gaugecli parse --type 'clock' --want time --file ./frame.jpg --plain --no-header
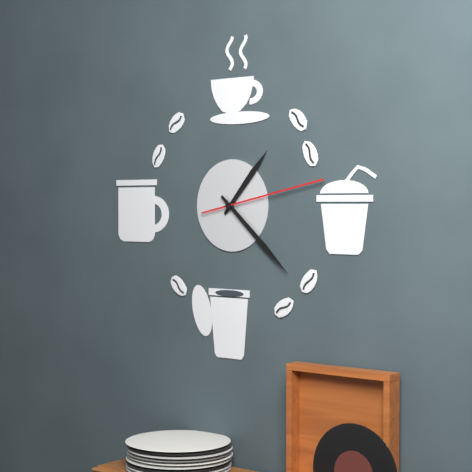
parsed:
1:22:13
